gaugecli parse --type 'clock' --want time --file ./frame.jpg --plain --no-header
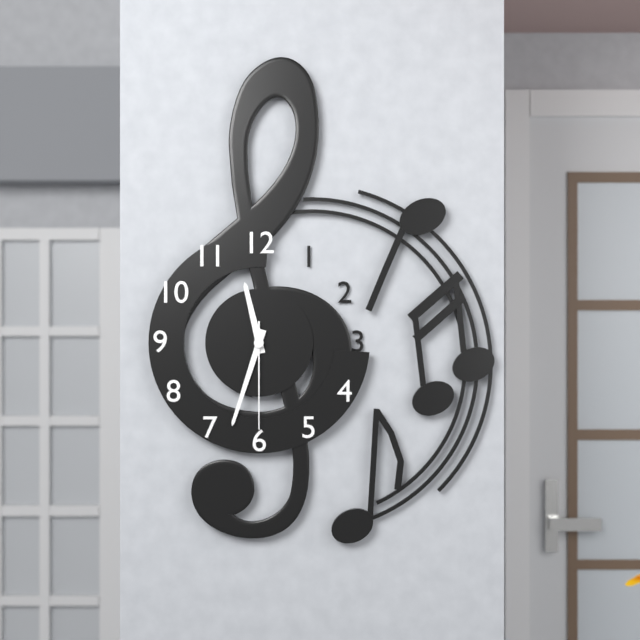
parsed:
11:33:30
